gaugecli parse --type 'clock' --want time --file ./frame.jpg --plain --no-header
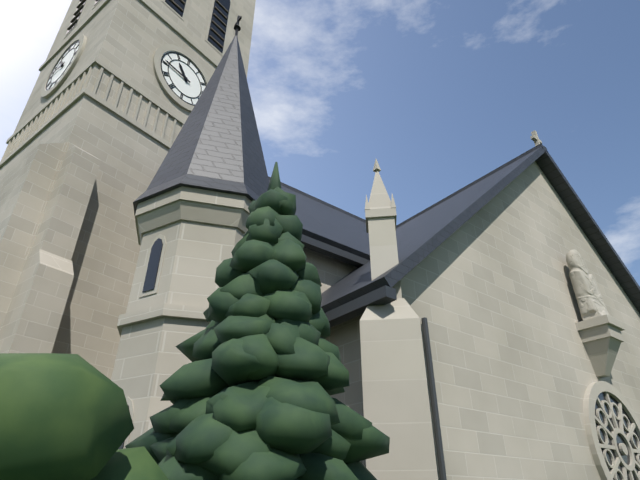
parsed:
10:46
